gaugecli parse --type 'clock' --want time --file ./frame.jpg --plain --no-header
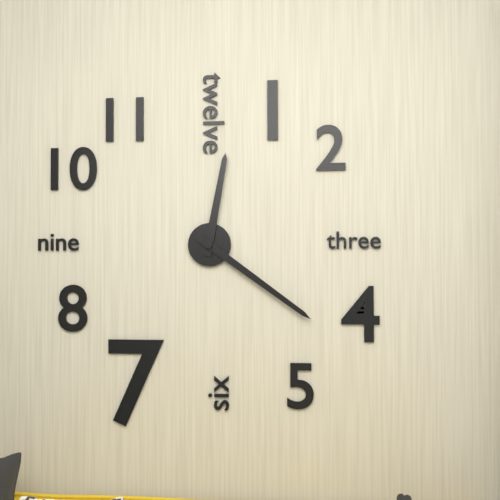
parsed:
12:21
